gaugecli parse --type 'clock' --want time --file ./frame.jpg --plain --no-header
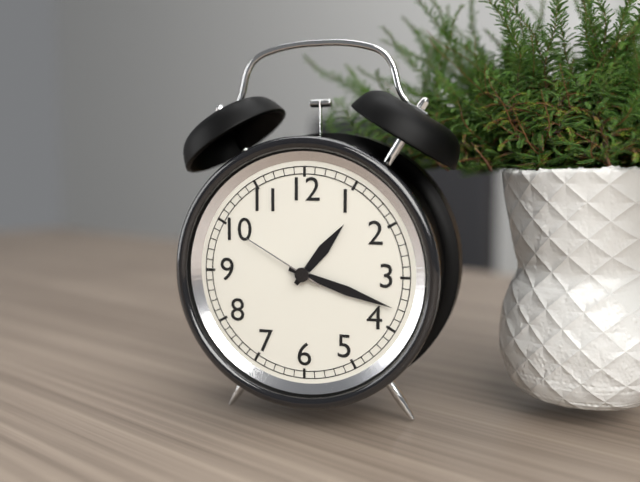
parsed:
1:18:50
